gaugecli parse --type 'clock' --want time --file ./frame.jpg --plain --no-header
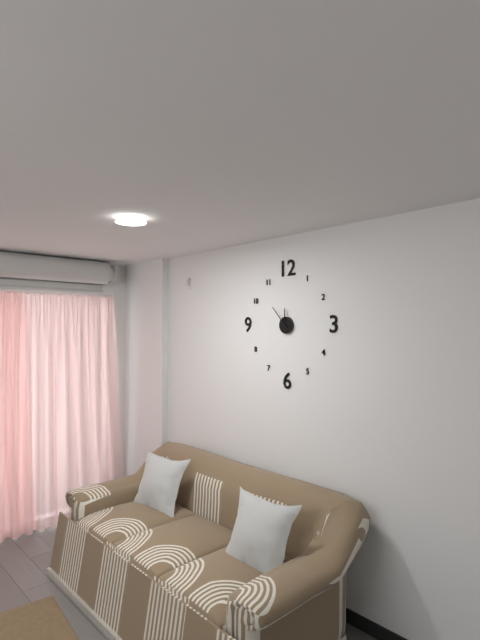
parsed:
11:53
